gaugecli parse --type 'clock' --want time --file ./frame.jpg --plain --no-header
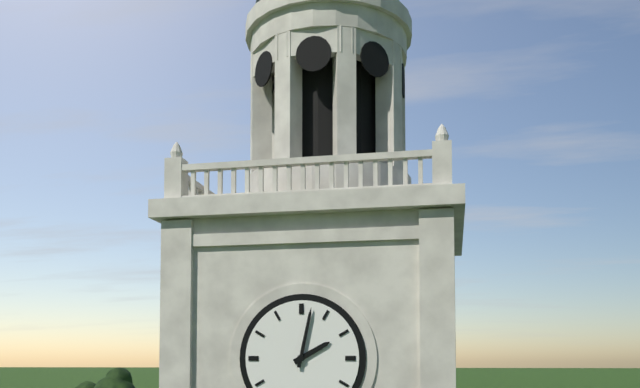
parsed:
2:02
